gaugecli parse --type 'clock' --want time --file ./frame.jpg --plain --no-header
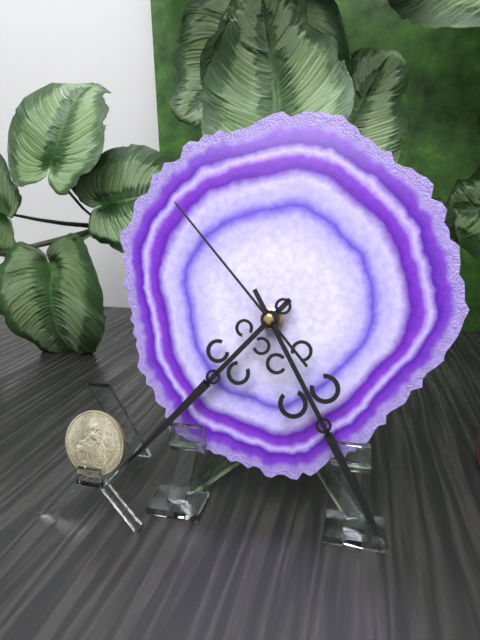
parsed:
7:25:53
